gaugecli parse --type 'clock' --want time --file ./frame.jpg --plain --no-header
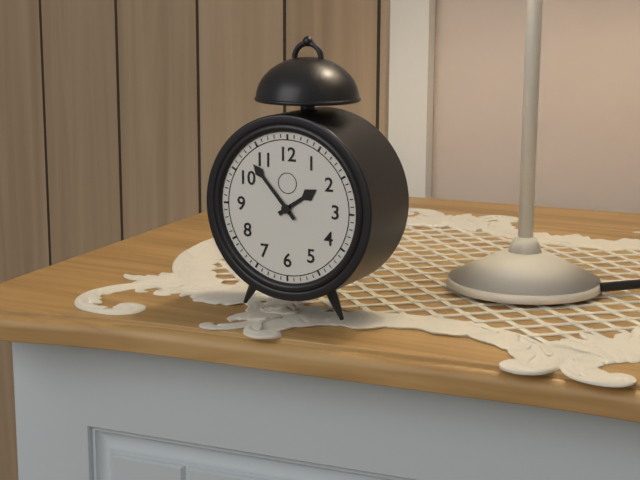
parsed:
1:53
